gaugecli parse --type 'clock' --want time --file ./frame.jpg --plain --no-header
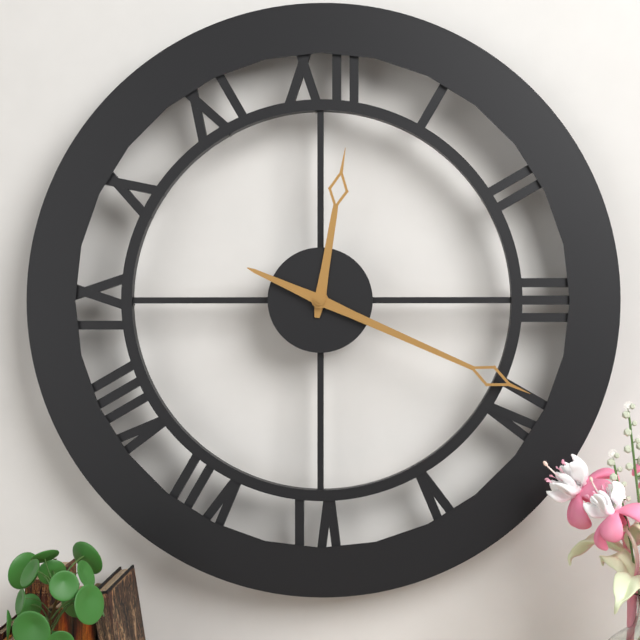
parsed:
12:19
